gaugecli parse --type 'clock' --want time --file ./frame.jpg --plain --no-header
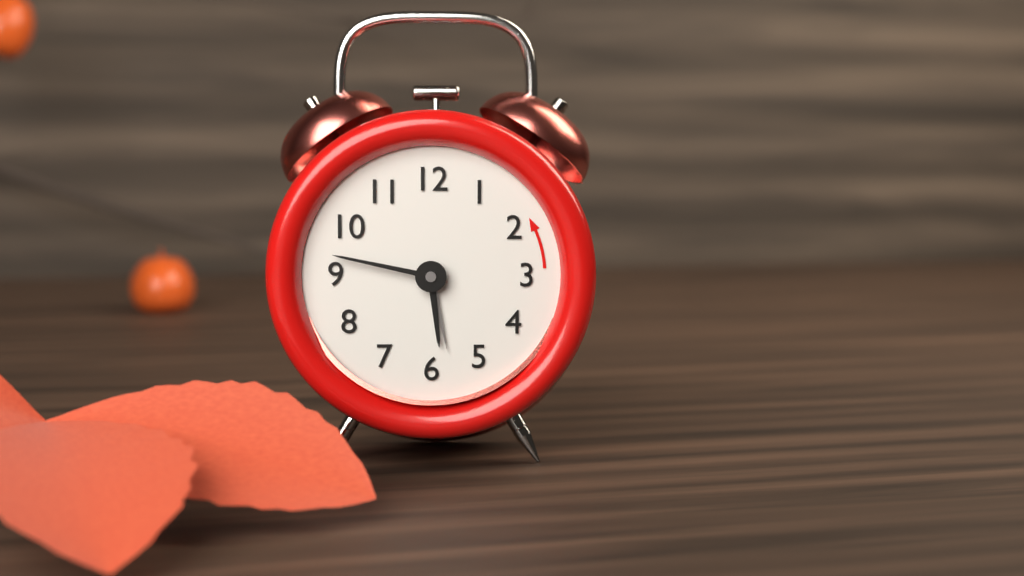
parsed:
5:47:28
